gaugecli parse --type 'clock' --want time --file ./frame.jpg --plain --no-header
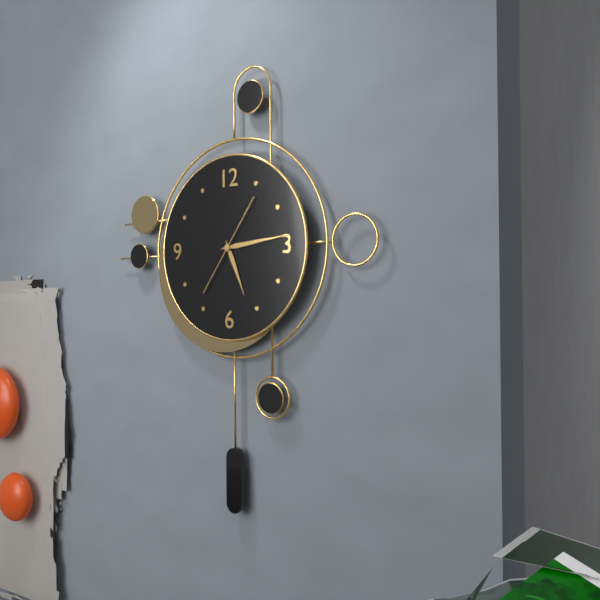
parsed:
5:14:06
